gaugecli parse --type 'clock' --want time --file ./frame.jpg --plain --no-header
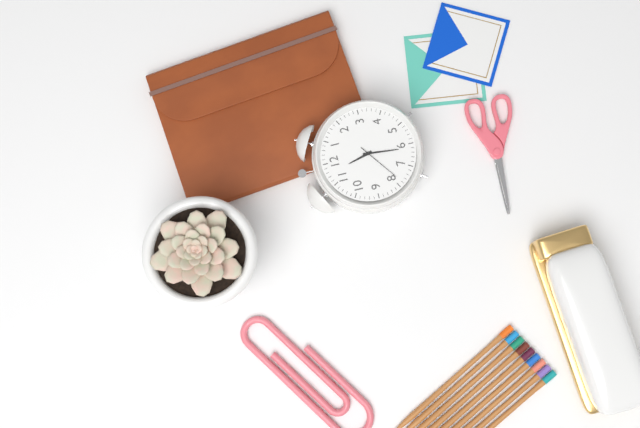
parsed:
11:31
